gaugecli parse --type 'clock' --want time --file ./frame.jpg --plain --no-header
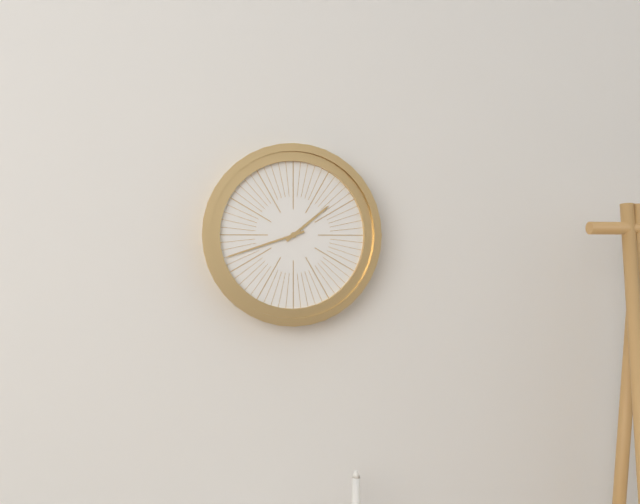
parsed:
1:42
